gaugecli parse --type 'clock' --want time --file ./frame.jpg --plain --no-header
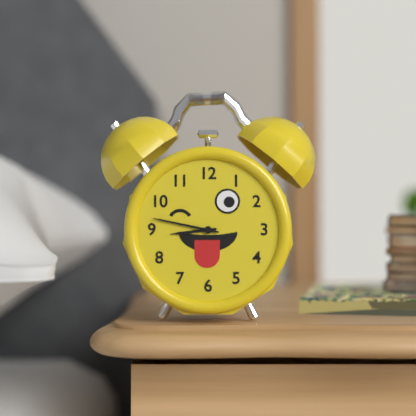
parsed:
8:47
